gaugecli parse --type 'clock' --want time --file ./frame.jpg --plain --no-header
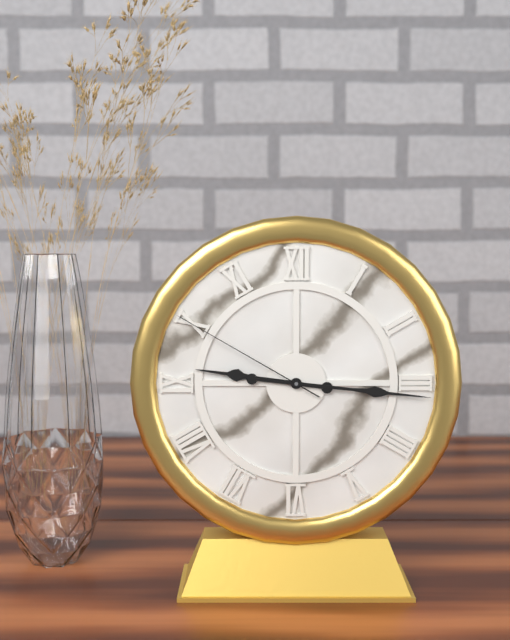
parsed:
9:16:50
